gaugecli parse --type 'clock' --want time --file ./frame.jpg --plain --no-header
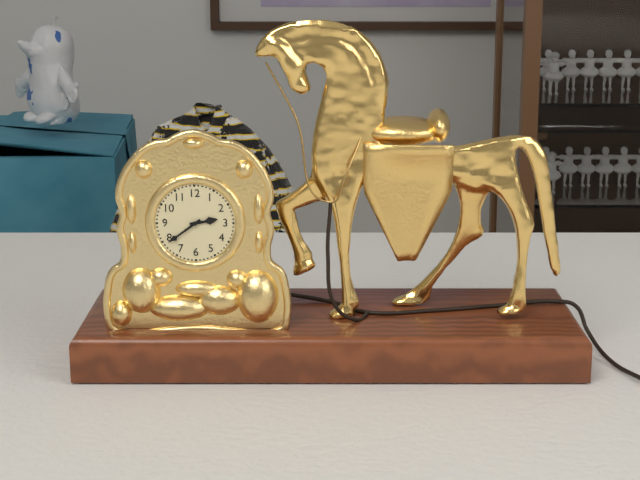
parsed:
2:39
